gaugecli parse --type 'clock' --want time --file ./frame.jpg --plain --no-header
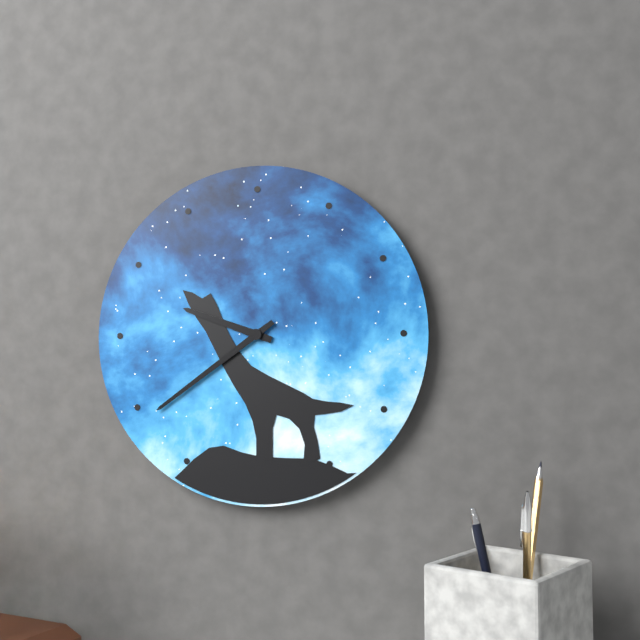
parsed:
9:39
